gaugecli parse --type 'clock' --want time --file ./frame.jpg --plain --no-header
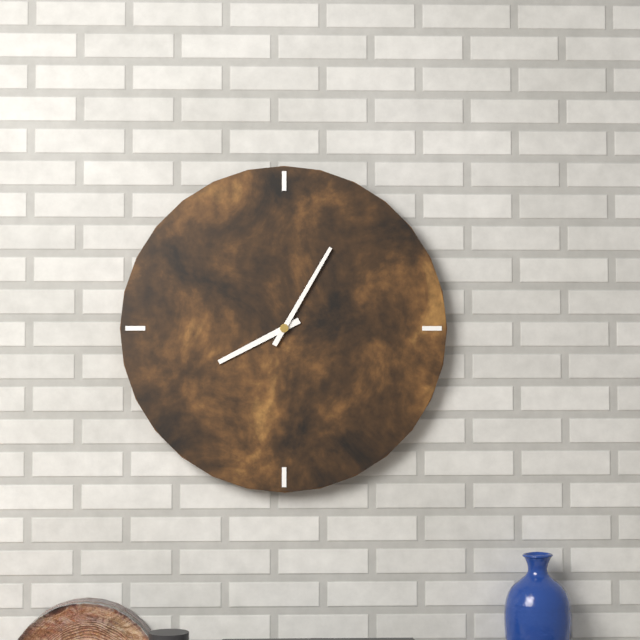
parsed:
8:05
